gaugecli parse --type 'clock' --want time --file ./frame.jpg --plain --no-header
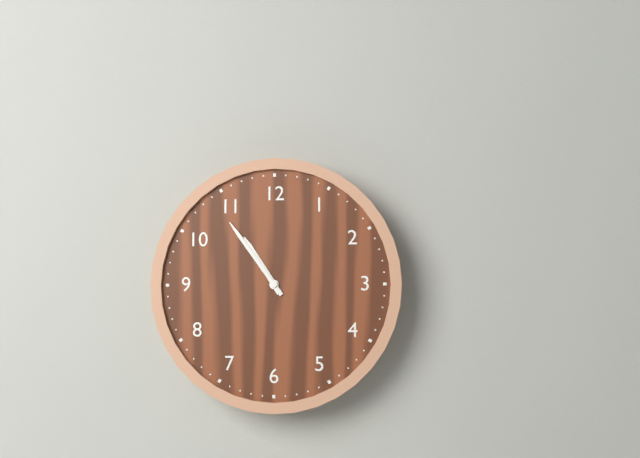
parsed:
10:54
